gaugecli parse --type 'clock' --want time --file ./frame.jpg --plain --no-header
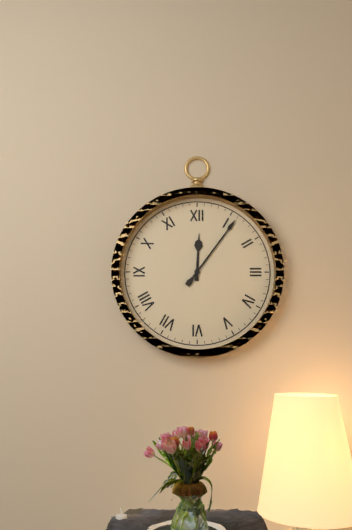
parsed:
12:06
